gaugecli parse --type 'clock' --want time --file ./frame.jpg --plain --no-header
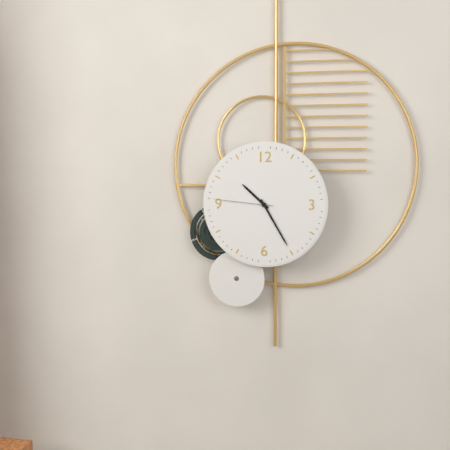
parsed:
10:25:46
